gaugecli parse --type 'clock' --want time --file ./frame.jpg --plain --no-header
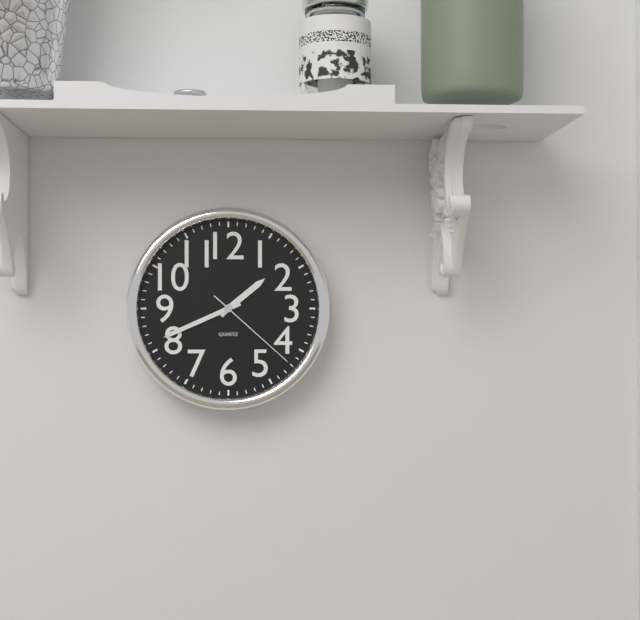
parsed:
1:41:22
